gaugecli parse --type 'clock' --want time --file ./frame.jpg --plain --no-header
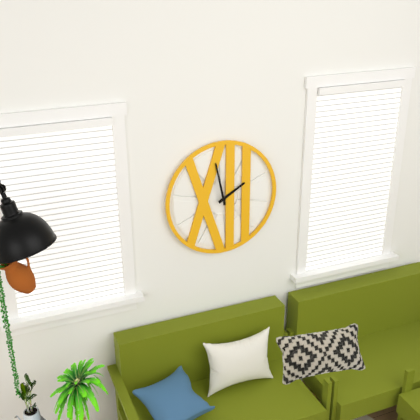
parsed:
1:58
